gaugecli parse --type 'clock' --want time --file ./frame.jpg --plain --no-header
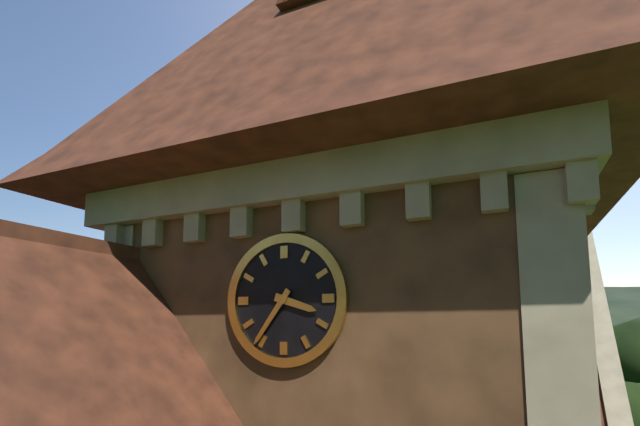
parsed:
3:36
